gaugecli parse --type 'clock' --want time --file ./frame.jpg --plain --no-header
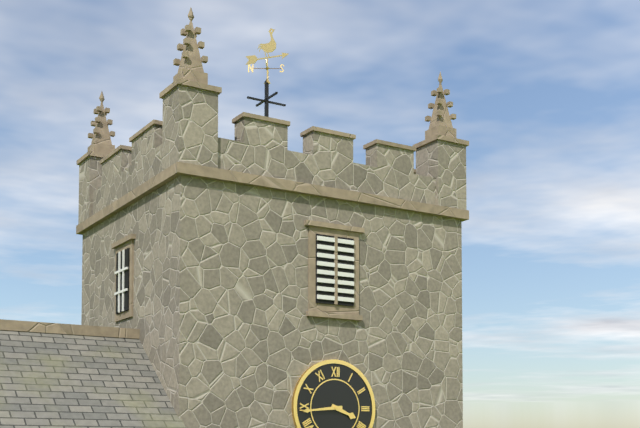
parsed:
3:44
